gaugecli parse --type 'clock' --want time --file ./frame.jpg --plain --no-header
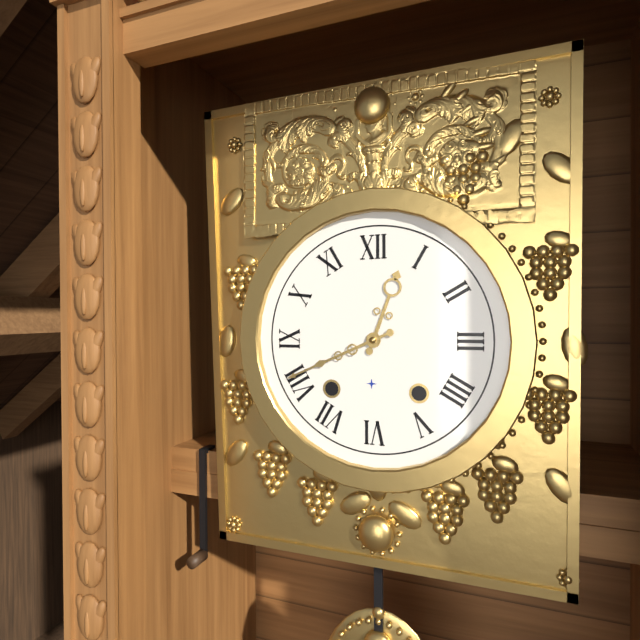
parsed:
12:41
